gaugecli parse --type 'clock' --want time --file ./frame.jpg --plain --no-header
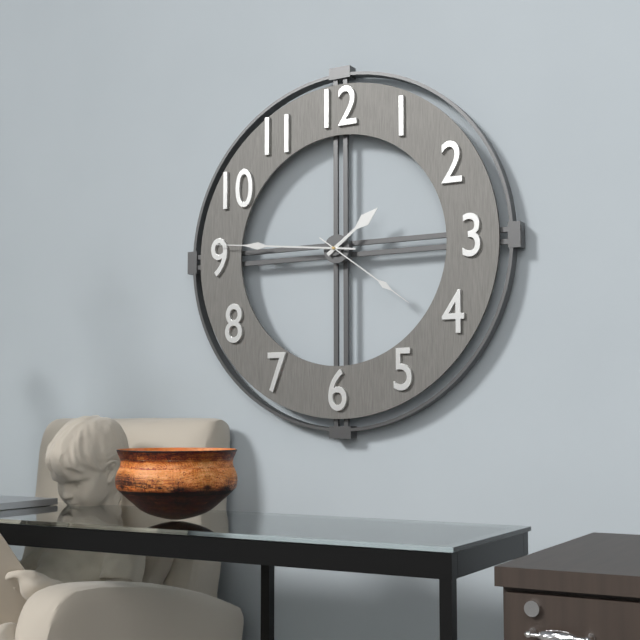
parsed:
1:46:21
